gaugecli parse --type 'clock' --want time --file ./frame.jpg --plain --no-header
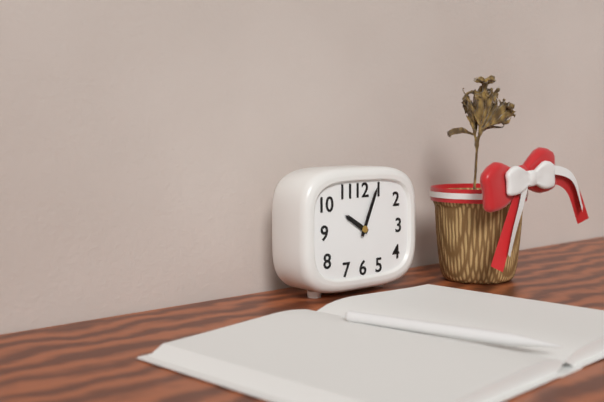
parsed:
10:04
